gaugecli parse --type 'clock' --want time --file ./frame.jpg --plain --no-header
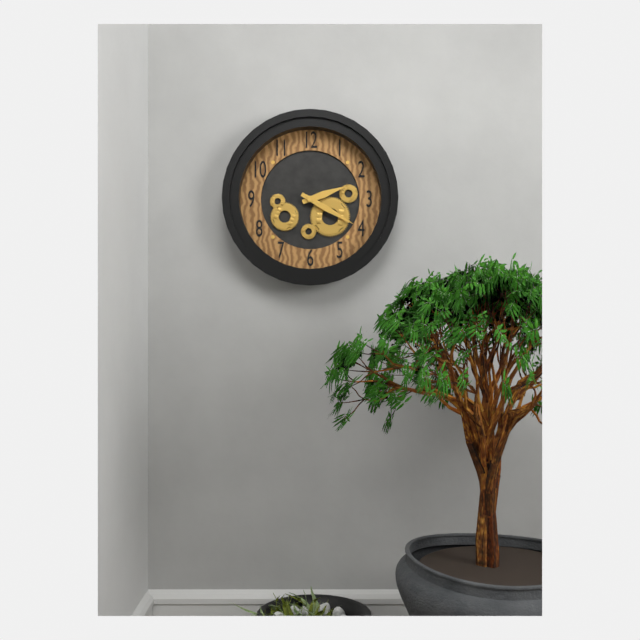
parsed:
2:20
